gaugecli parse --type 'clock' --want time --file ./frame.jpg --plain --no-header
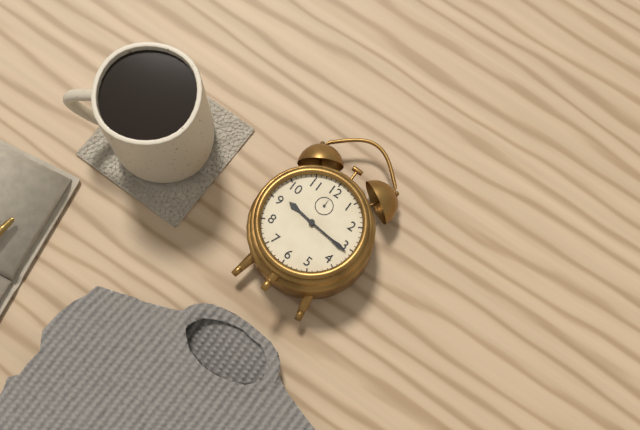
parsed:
9:16
